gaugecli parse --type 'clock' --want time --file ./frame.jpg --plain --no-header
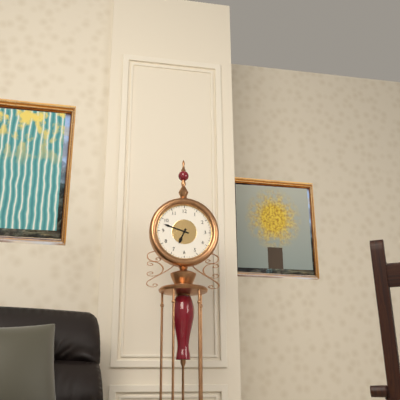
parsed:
6:48
